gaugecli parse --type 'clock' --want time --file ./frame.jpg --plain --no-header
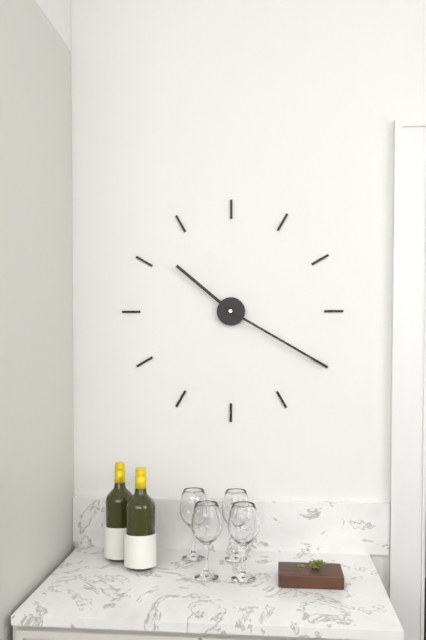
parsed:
10:20
